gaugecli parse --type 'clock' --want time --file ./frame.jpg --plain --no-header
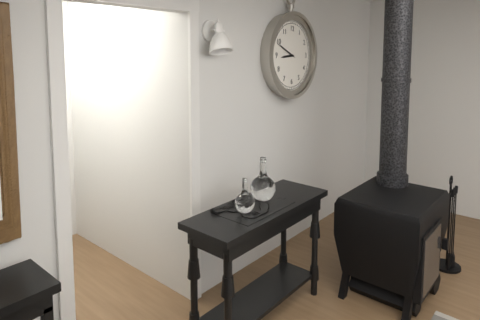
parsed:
8:49
